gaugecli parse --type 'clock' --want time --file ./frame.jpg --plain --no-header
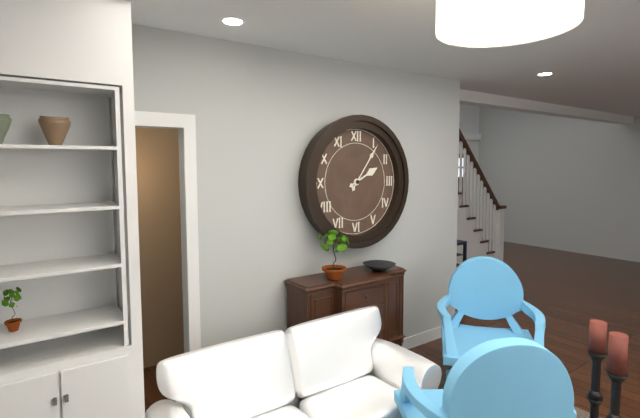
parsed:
2:06
